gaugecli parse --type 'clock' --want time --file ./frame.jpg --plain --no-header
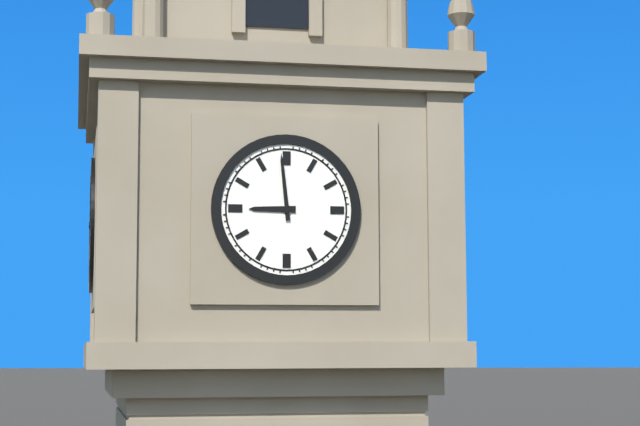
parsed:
8:59
